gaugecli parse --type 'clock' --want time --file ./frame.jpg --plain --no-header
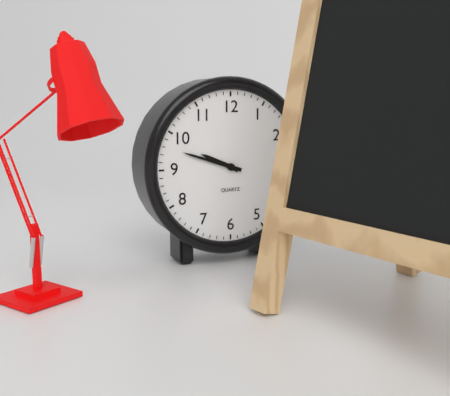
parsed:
9:48
